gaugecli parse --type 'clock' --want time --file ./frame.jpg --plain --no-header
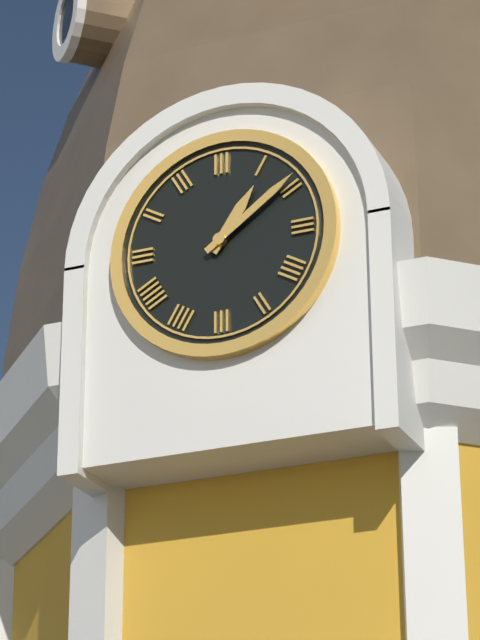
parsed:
1:09
